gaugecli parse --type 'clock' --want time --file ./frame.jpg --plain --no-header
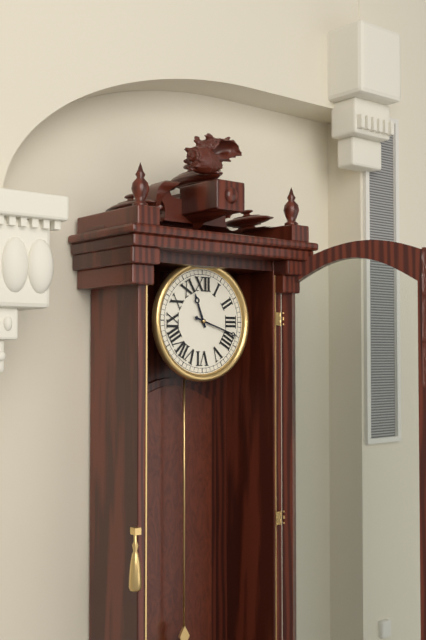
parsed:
11:18
